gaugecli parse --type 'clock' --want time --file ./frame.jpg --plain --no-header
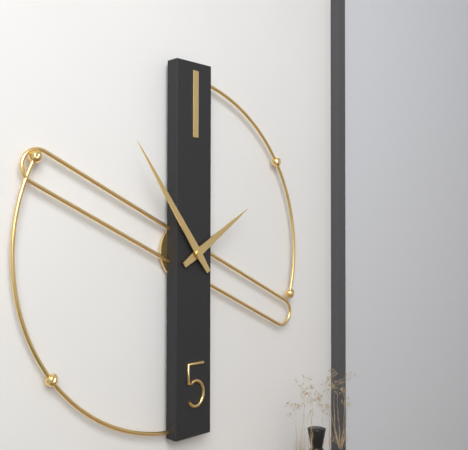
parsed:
1:54
